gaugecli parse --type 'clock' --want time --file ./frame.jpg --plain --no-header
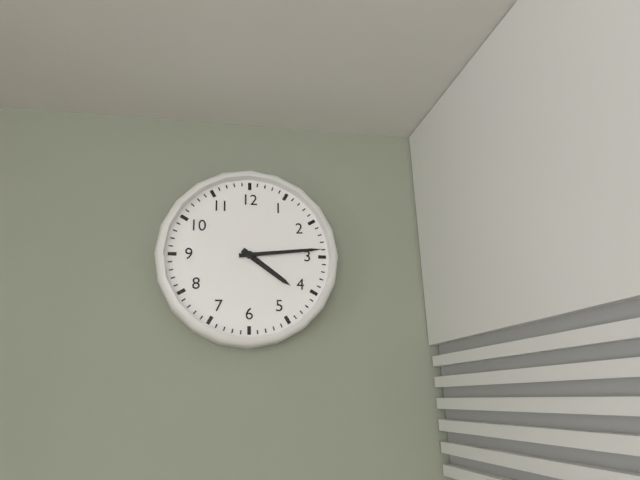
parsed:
4:14
